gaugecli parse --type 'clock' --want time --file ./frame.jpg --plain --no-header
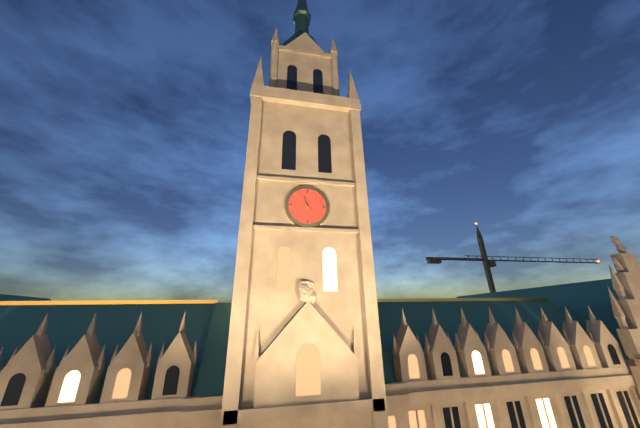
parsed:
11:23
